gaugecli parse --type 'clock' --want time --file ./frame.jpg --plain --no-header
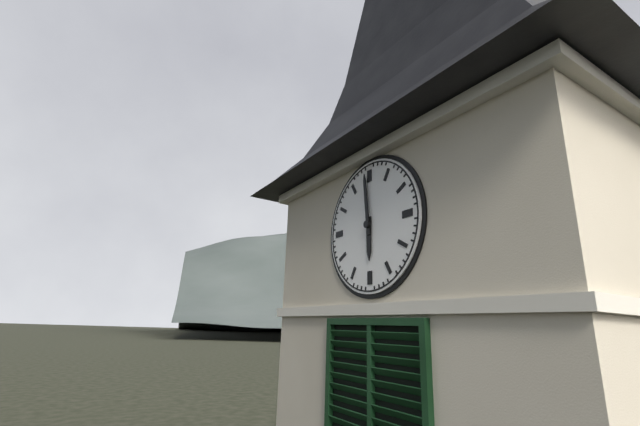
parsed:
5:59
